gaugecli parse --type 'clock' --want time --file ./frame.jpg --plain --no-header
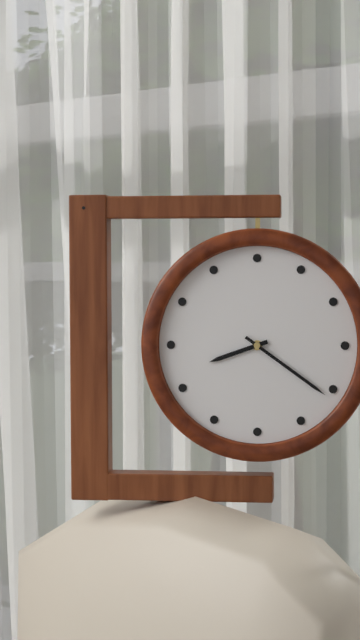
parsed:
8:21
